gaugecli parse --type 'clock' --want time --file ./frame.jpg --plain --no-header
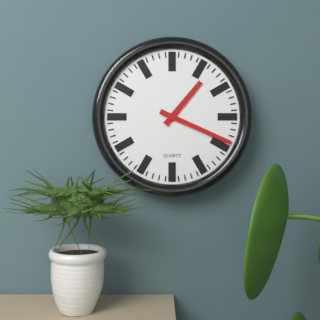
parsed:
1:19
